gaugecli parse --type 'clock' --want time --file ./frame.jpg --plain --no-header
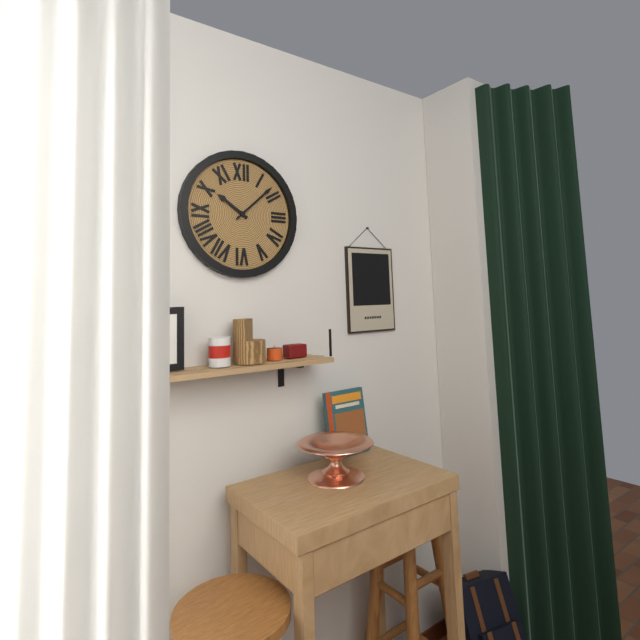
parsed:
10:08
